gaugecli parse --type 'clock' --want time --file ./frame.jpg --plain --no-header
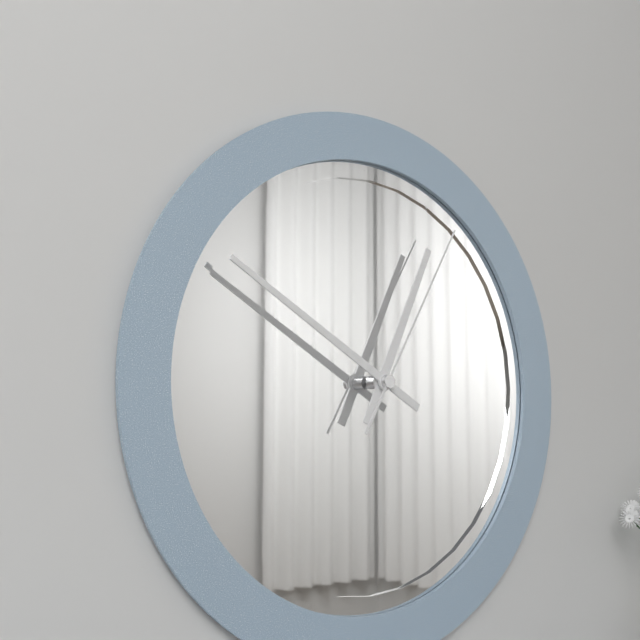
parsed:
12:50:05
